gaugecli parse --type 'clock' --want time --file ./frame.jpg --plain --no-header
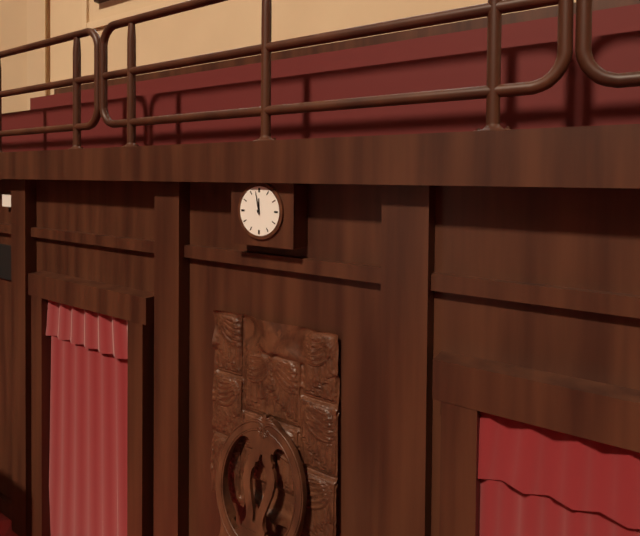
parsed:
11:58
